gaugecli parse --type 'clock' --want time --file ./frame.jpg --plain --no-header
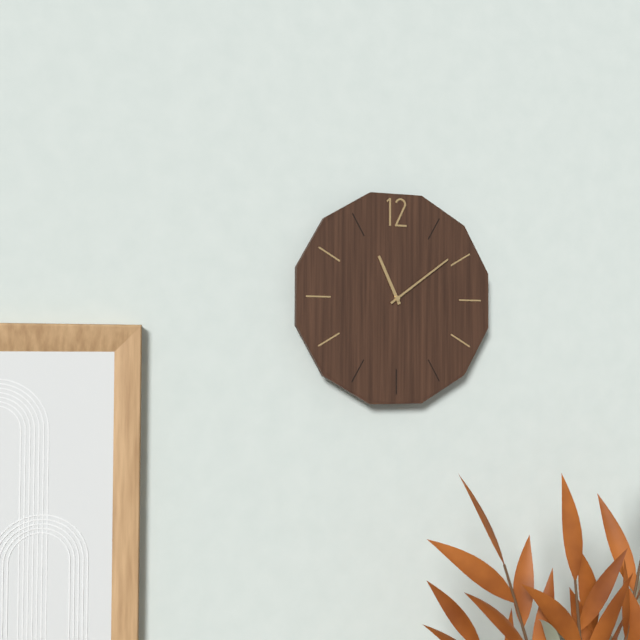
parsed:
11:09
